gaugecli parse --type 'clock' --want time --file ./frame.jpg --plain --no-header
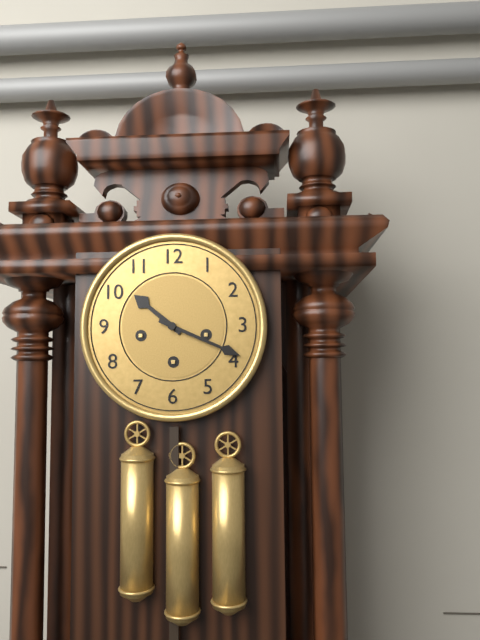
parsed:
10:19
